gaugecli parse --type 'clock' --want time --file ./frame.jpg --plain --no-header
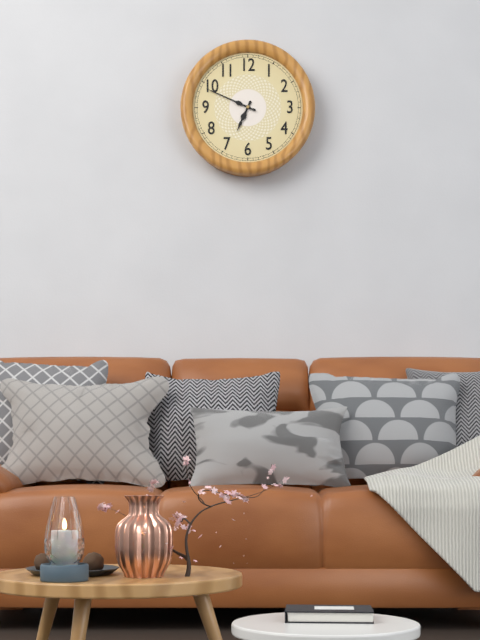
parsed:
6:49
